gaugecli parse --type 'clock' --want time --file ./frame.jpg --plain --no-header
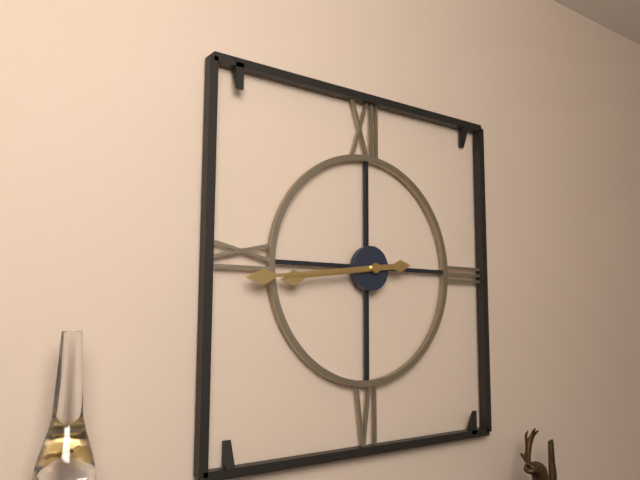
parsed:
8:44
